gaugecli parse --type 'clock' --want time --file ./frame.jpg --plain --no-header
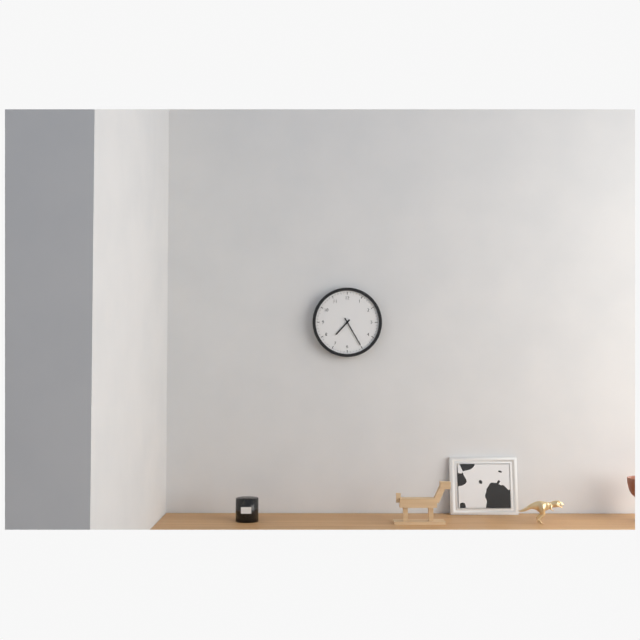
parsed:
7:25
